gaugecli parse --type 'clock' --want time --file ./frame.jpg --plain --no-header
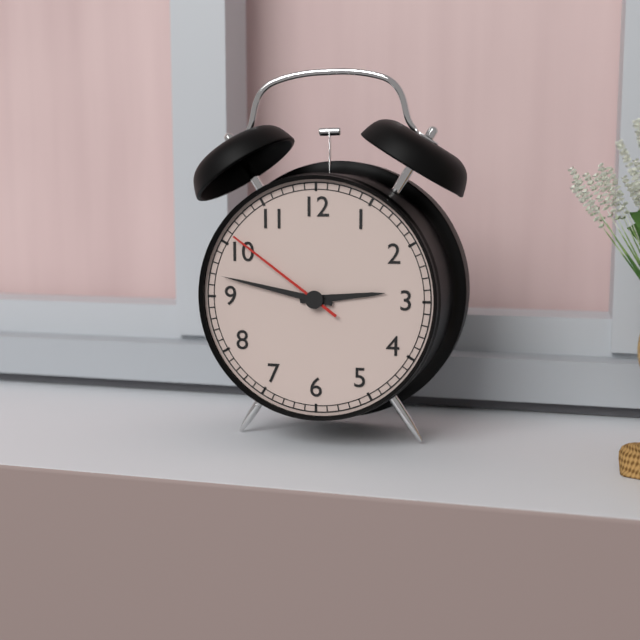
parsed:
2:47:51
